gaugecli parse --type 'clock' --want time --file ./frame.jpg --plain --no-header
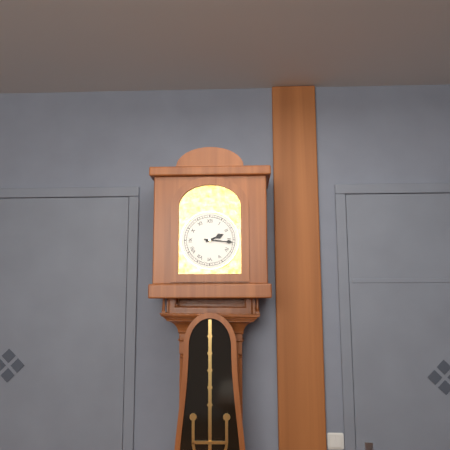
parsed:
2:16
